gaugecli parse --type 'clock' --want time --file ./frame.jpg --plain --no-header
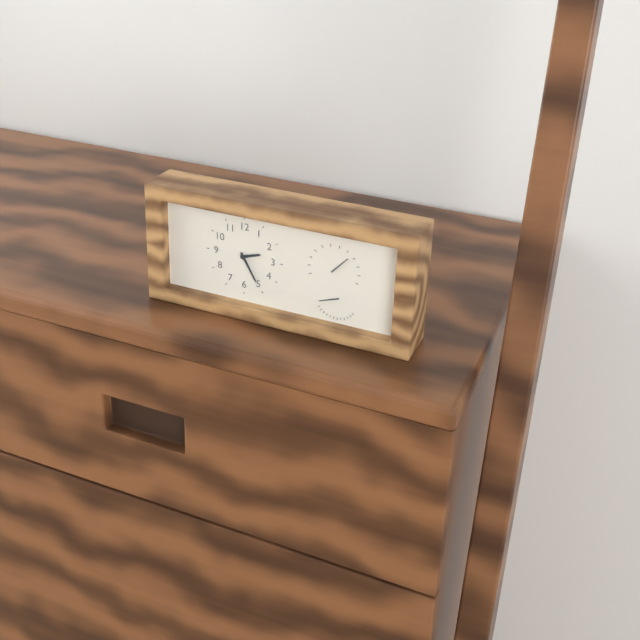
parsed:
2:25
